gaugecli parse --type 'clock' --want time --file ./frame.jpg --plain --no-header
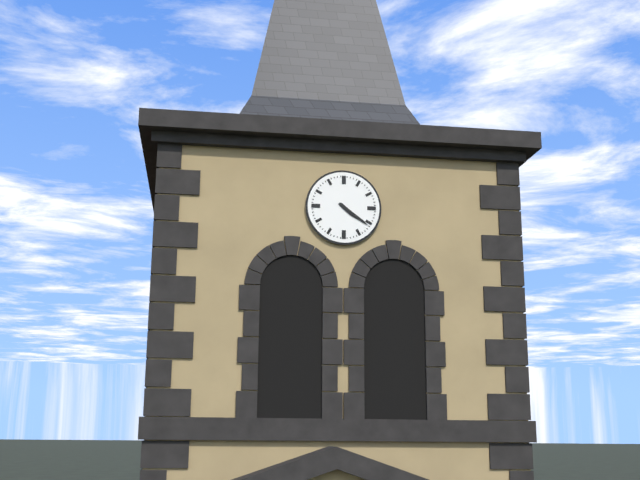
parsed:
4:21
